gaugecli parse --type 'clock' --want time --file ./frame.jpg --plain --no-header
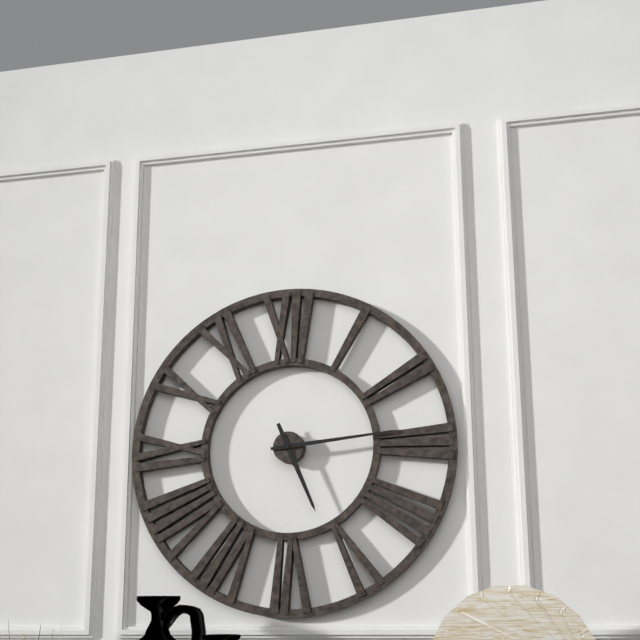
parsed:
5:14
